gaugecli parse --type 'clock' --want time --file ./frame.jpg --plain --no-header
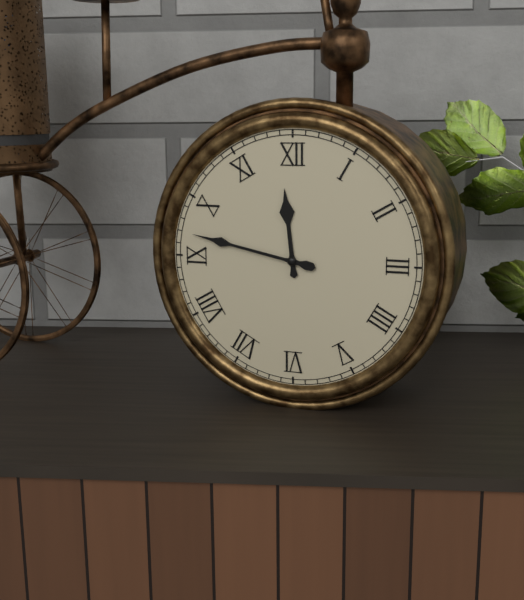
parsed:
11:47
